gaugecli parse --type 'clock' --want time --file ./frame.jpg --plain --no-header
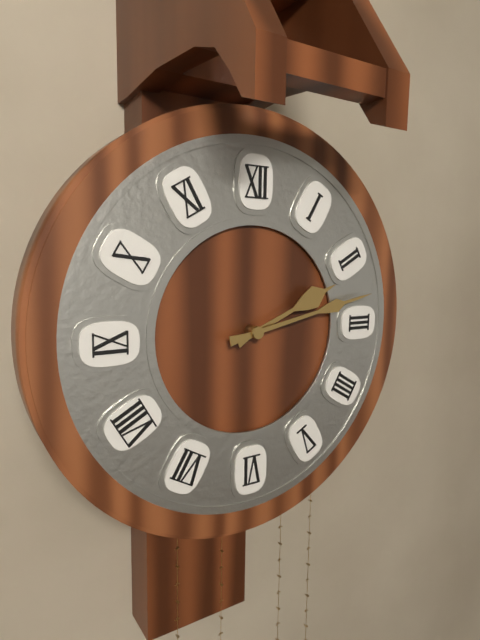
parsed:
2:13
